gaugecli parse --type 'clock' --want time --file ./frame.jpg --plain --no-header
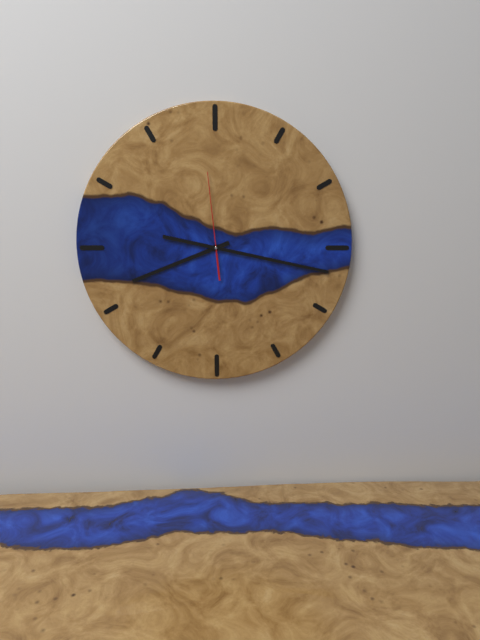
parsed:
8:17:59
